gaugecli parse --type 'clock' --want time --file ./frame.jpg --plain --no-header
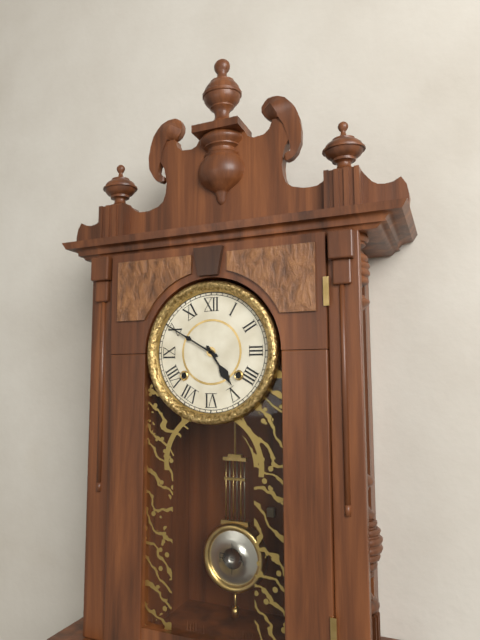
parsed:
4:50
